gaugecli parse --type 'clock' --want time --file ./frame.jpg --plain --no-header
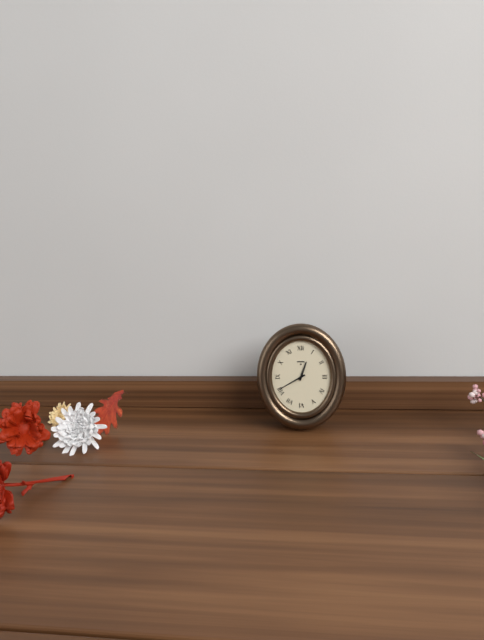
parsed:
12:40
